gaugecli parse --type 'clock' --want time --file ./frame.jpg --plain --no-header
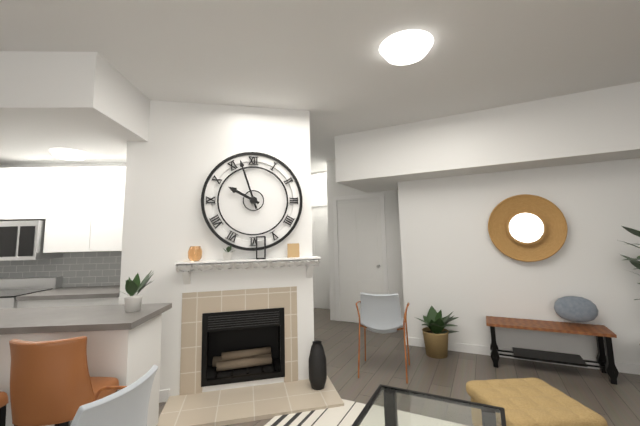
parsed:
9:57
